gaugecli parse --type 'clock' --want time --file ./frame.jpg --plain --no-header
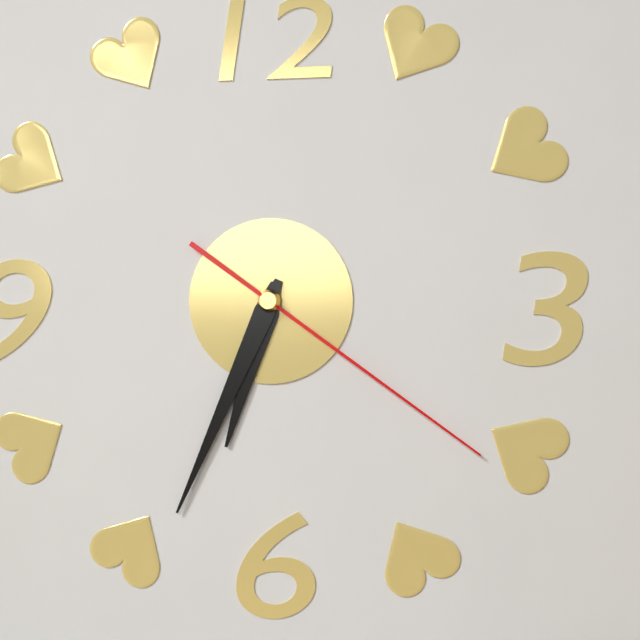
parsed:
6:34:21
